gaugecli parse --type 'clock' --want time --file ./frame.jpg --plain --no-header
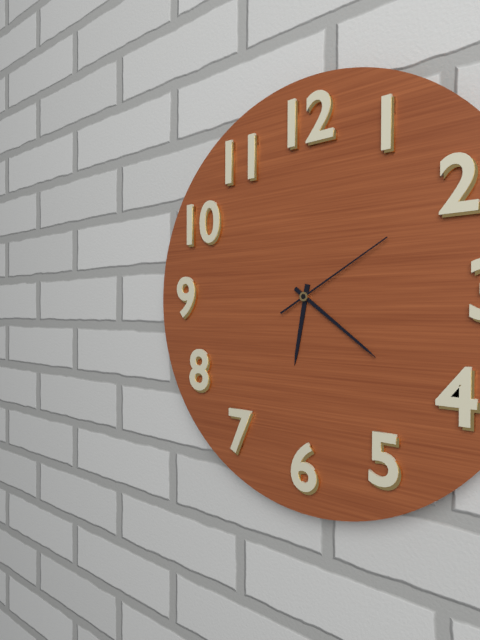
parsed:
6:21:10
